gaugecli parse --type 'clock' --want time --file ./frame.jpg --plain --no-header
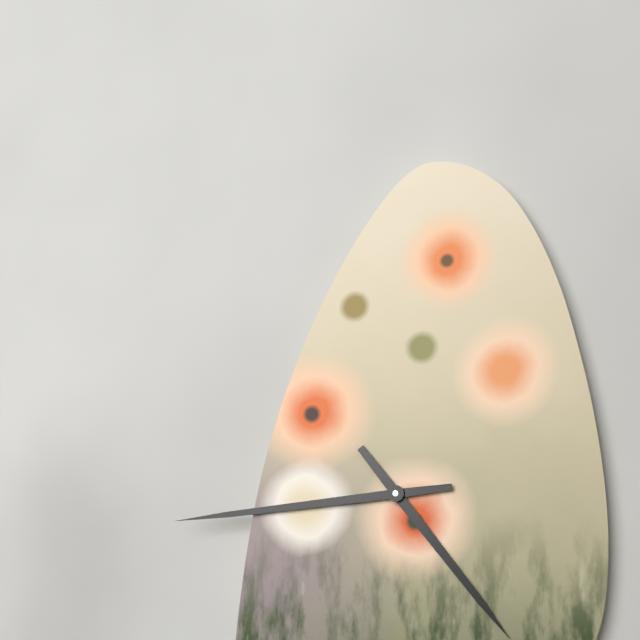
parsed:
4:44
